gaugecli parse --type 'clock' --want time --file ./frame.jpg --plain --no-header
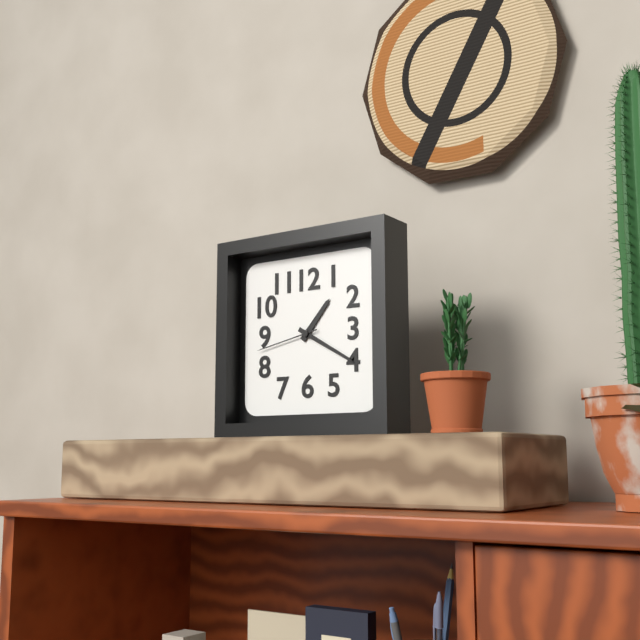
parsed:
1:20:43
